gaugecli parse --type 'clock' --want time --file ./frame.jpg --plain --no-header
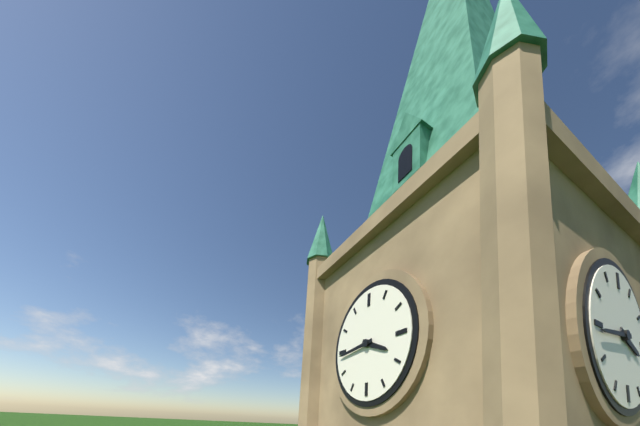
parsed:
3:44
